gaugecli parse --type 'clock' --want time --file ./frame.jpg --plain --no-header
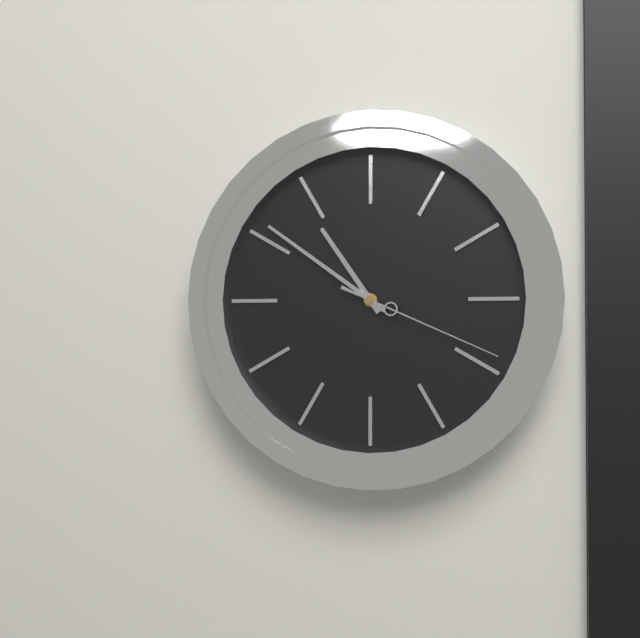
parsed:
10:51:19
